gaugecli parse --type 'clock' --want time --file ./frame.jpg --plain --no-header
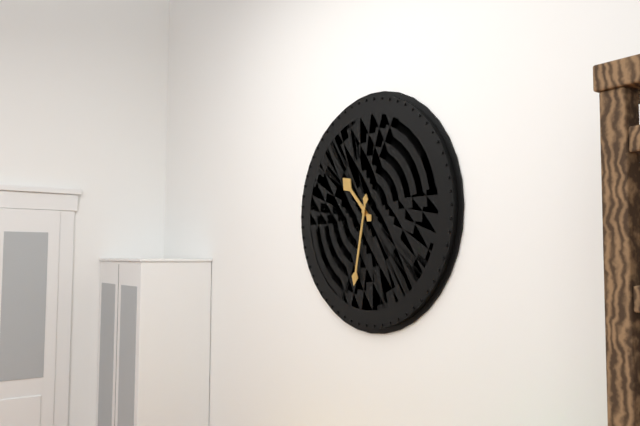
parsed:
10:32
